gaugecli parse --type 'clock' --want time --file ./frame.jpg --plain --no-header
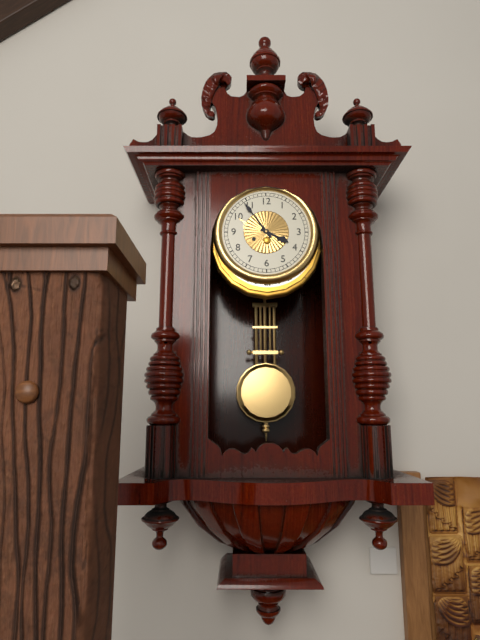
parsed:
3:54
